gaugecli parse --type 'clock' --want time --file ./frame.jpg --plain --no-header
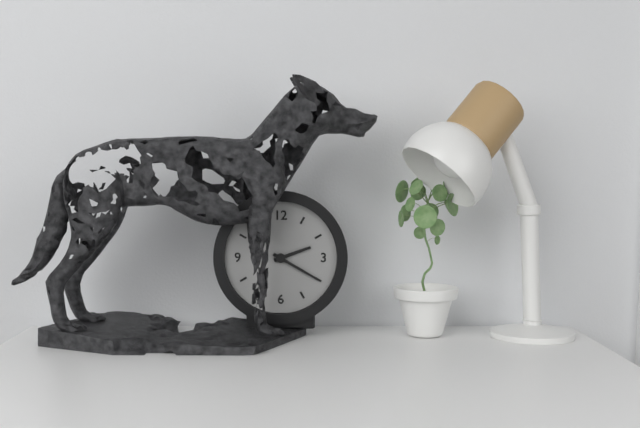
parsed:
2:20
